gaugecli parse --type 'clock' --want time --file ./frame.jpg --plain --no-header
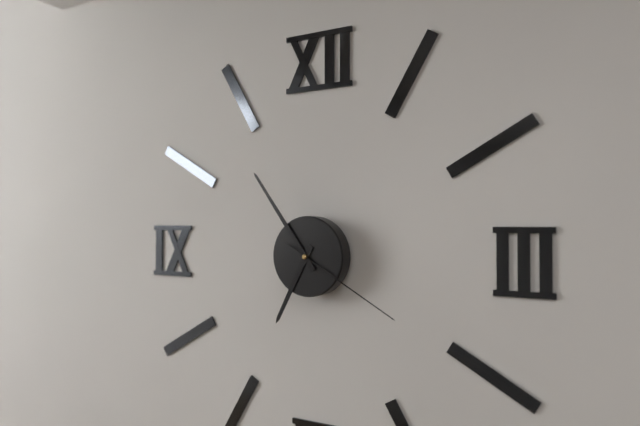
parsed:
6:54:20
